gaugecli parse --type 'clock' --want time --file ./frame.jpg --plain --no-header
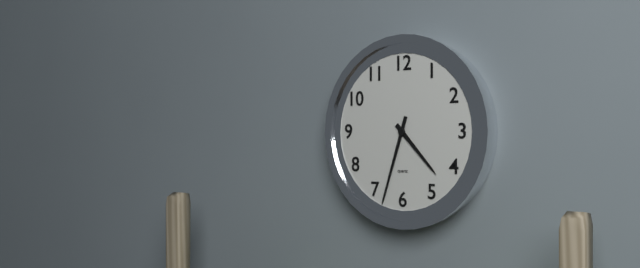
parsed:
4:33
